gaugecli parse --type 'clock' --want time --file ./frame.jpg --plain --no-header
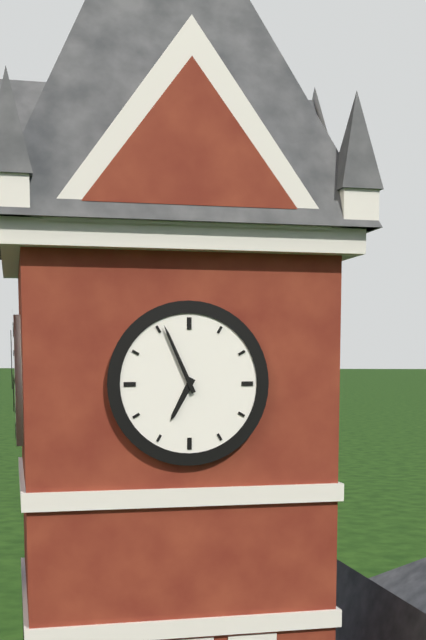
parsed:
6:56
